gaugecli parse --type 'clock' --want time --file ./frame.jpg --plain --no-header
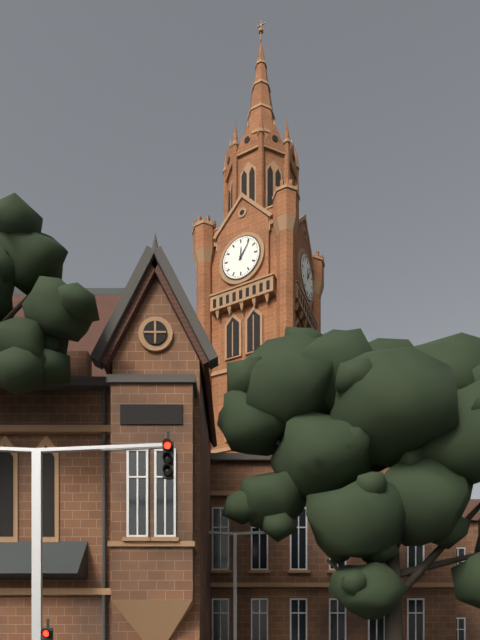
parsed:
12:06
